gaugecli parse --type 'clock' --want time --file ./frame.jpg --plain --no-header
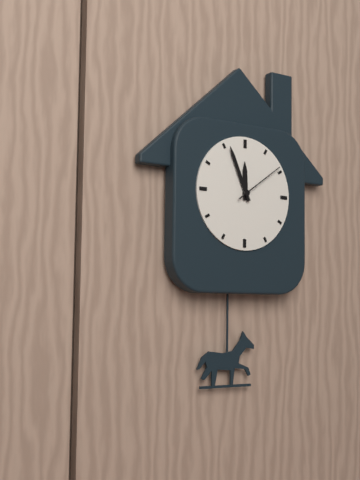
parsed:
11:56:09
